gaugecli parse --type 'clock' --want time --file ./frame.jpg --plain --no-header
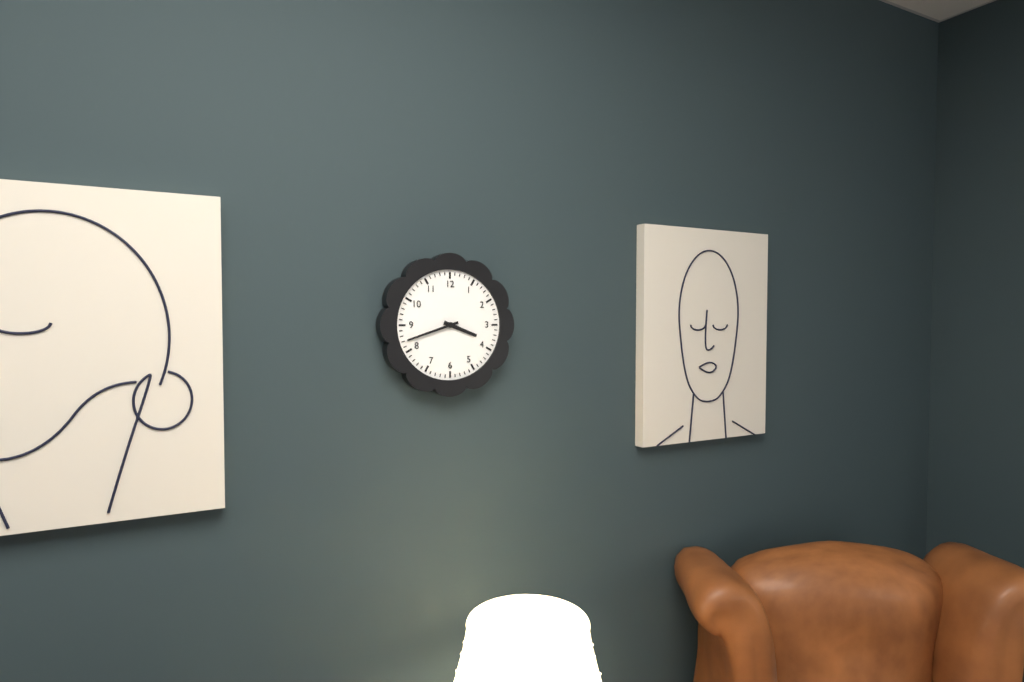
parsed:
3:42
